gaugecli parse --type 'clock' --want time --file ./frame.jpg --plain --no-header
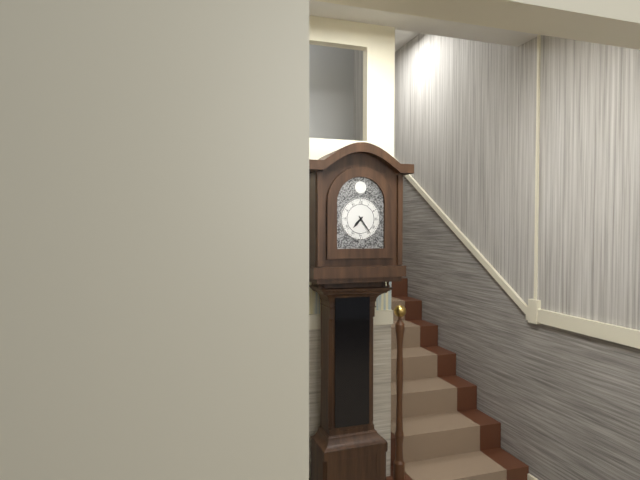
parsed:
7:24
